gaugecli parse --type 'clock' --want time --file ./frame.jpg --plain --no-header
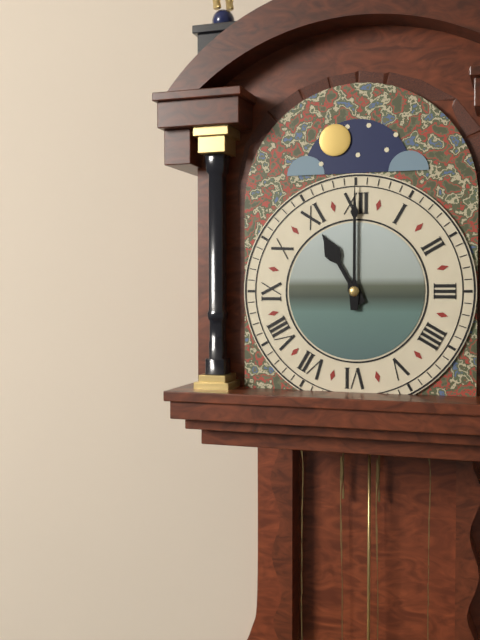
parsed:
11:00
